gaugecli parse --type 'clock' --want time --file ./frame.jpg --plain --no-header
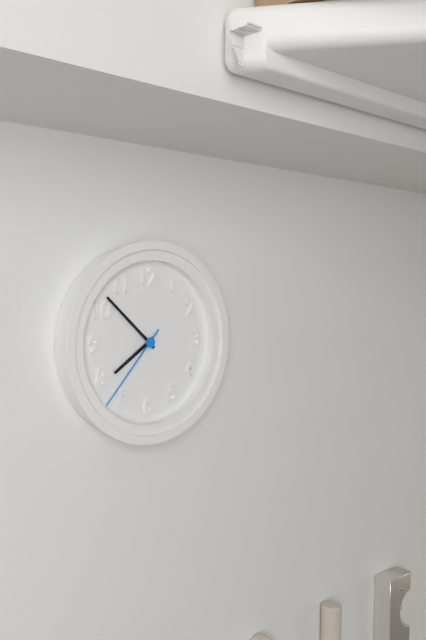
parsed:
7:52:37
